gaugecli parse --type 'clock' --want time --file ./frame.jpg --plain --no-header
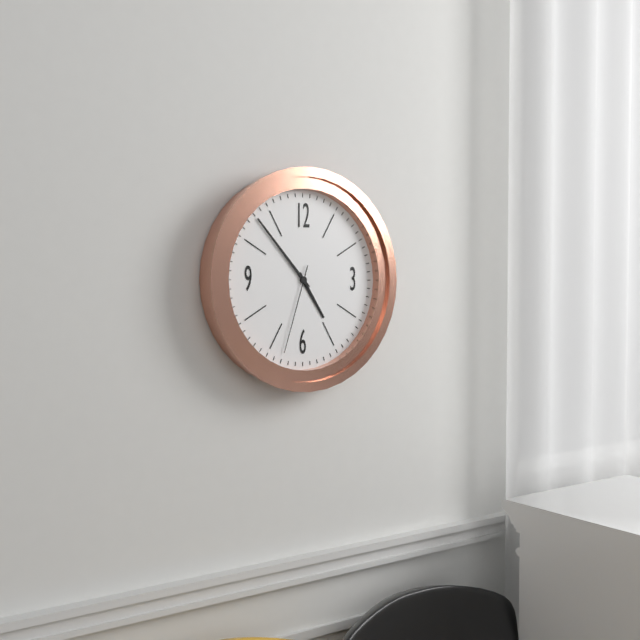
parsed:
4:53:33
